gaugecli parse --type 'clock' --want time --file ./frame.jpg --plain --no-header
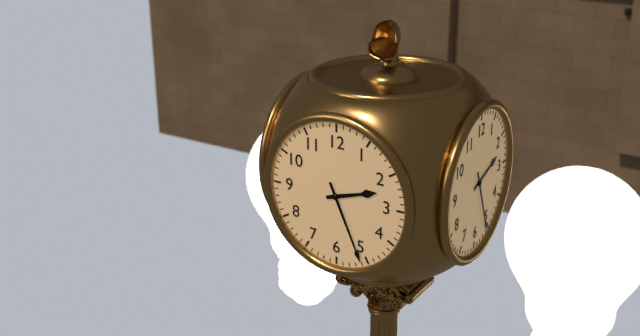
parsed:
2:26
